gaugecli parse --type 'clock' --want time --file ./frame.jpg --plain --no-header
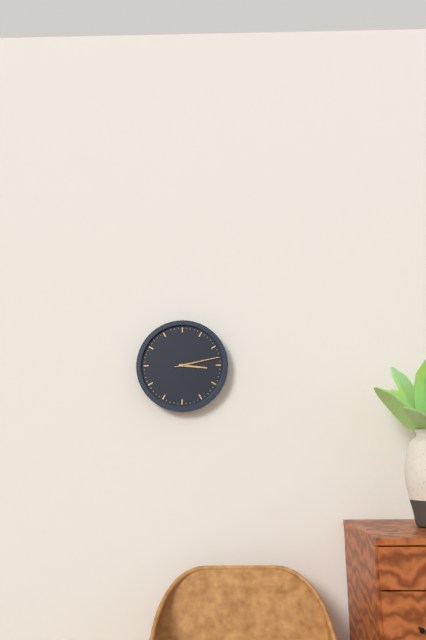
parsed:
3:13
